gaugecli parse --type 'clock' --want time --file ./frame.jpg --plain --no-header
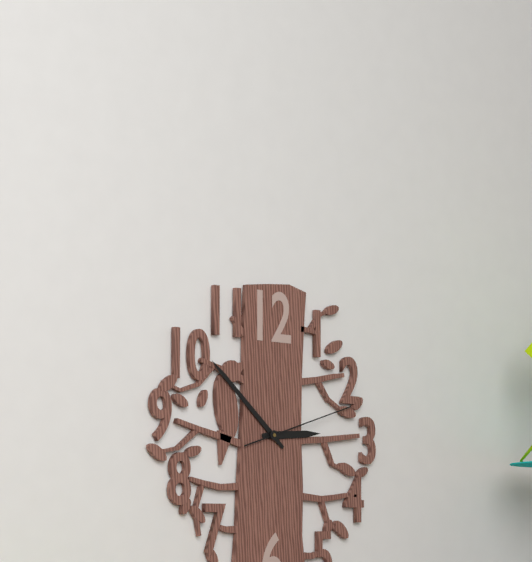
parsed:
2:52:12
